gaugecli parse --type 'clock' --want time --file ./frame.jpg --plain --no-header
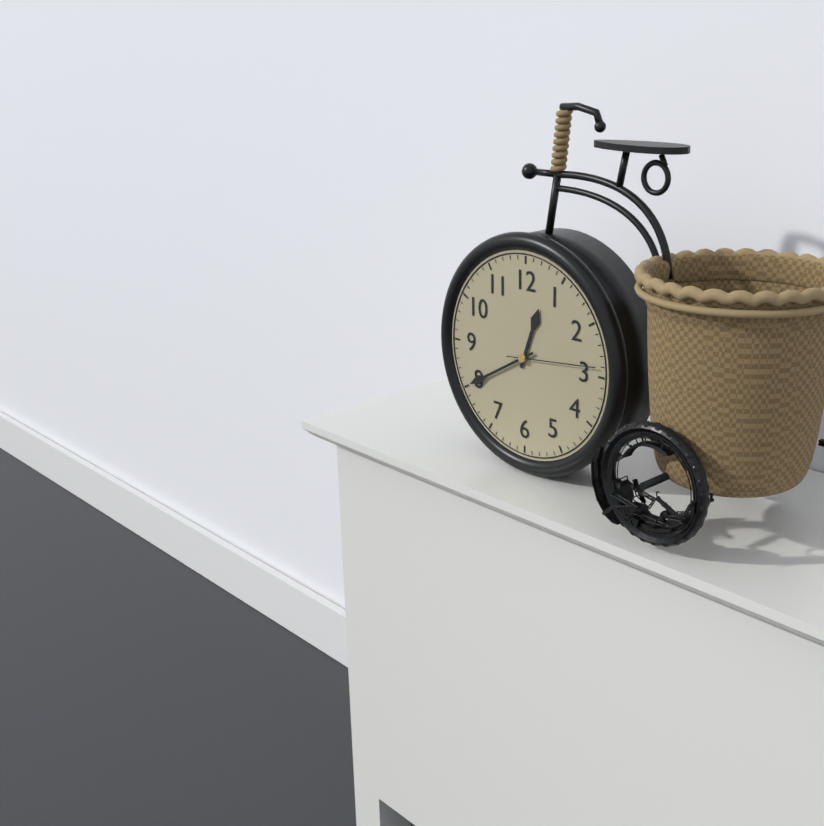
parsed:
12:40:14
